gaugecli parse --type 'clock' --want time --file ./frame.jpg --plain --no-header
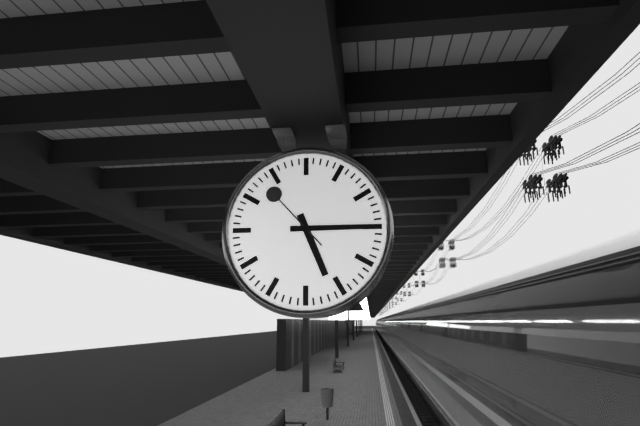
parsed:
5:15:53
